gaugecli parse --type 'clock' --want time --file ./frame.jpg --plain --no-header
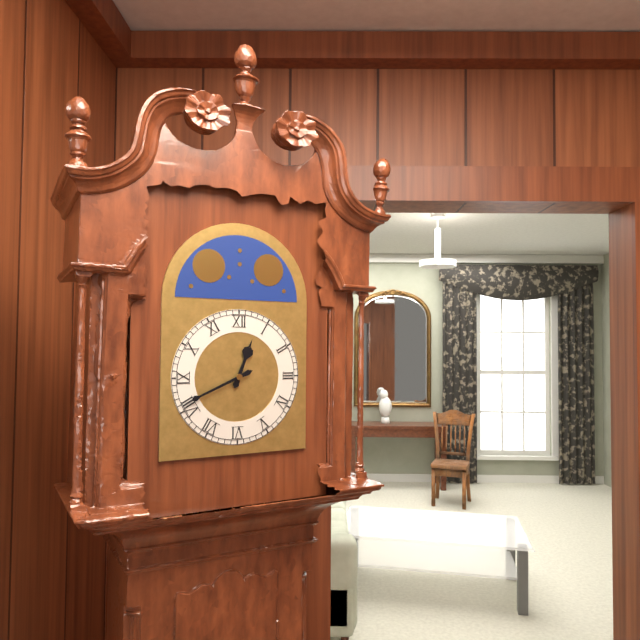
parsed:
12:41
